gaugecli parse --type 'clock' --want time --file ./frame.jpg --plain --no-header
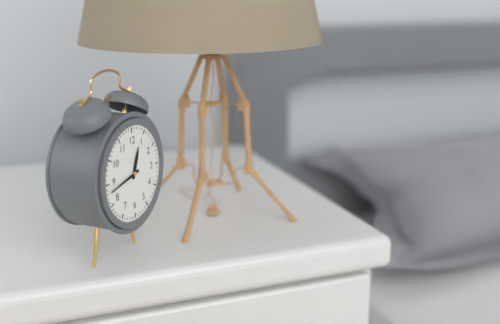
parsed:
12:43
